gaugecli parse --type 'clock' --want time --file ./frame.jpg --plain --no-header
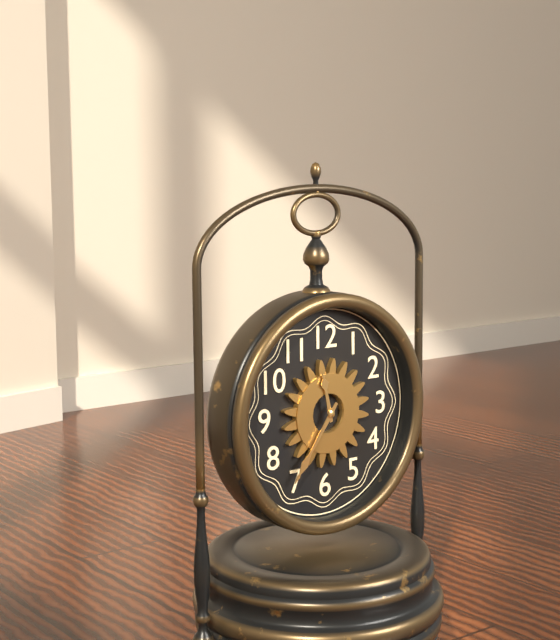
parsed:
11:36
